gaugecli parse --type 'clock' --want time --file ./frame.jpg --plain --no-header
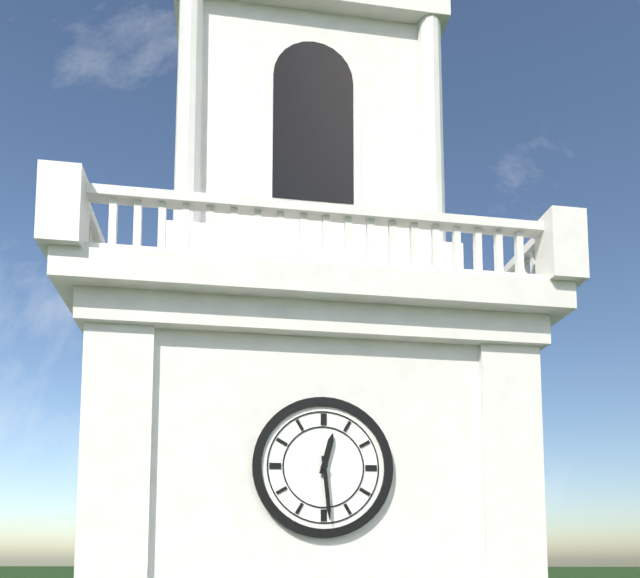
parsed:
12:29
